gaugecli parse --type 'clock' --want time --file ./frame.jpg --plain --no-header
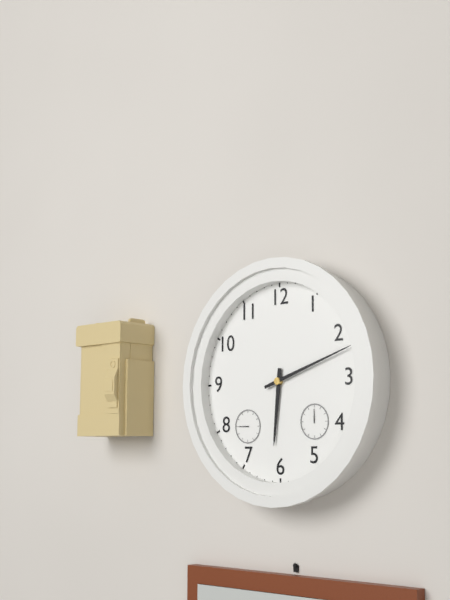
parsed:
6:12
